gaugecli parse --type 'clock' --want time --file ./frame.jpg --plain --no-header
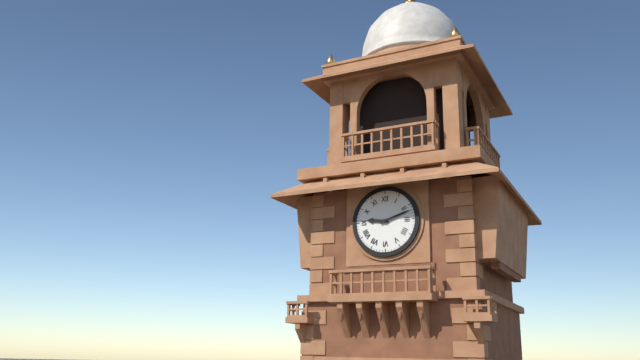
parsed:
9:12
